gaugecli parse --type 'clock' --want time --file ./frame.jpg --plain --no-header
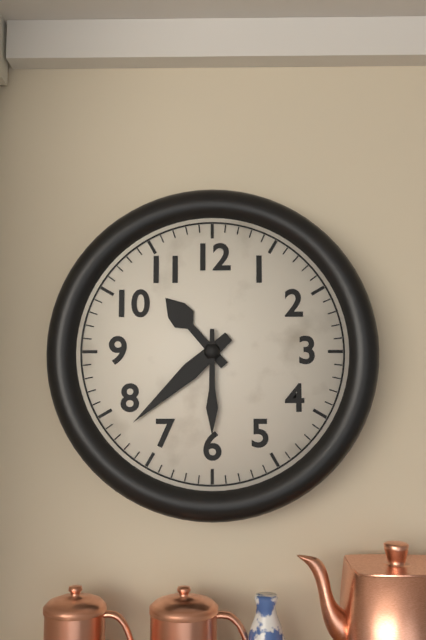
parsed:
10:38:30
